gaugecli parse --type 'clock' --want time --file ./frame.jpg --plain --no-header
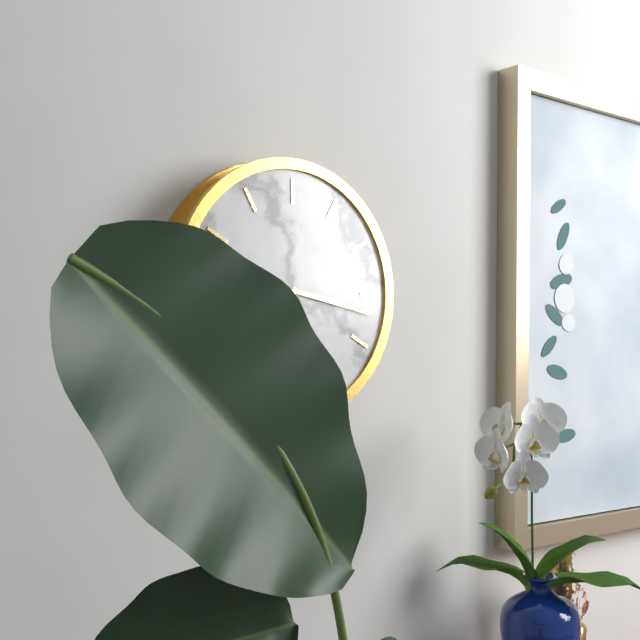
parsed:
3:17
